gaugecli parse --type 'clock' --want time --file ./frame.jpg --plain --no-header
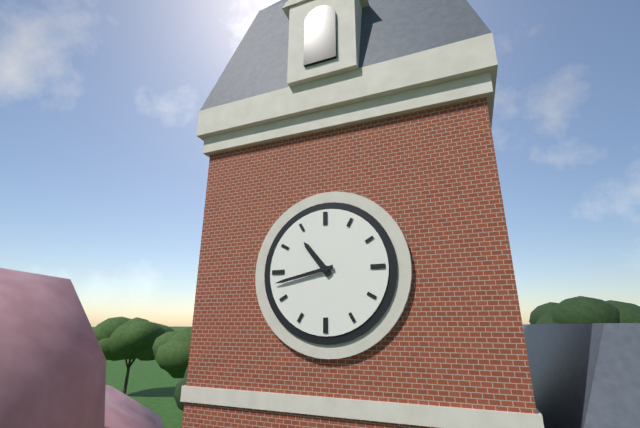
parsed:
10:43
